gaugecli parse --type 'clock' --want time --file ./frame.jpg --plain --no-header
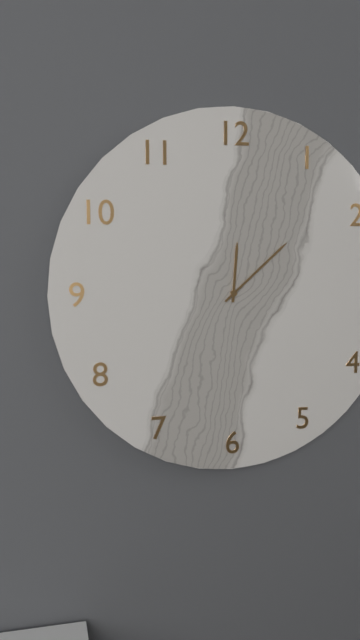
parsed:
12:08
